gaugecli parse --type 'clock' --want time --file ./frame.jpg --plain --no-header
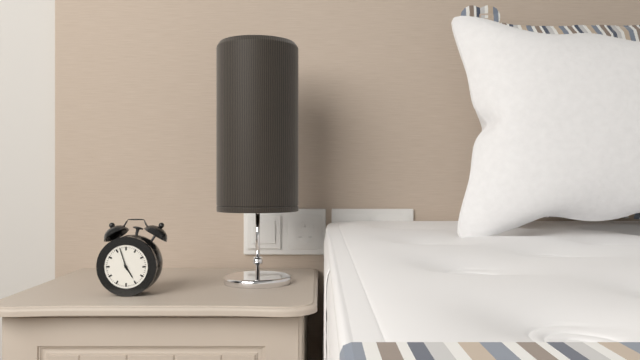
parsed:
4:57
